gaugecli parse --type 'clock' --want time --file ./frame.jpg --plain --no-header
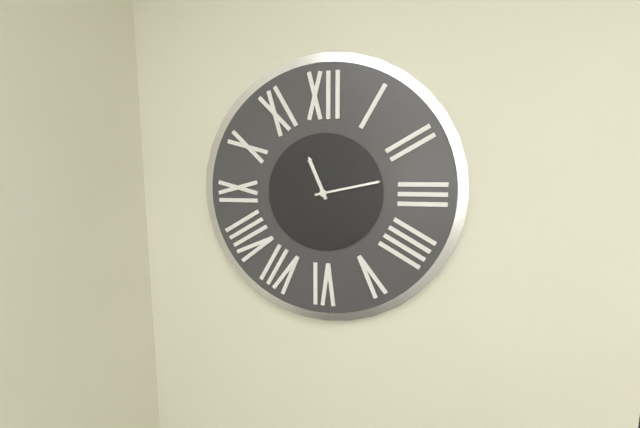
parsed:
11:13
